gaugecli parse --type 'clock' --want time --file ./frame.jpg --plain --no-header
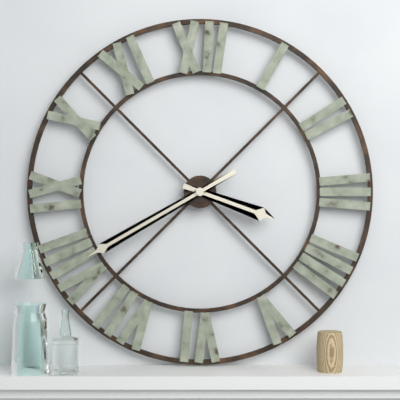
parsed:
3:40
